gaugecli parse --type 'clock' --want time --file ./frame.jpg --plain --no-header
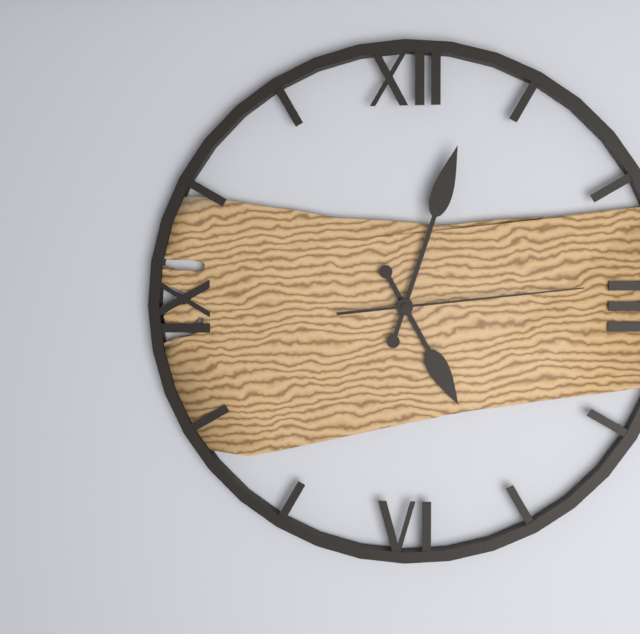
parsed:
5:03:14
